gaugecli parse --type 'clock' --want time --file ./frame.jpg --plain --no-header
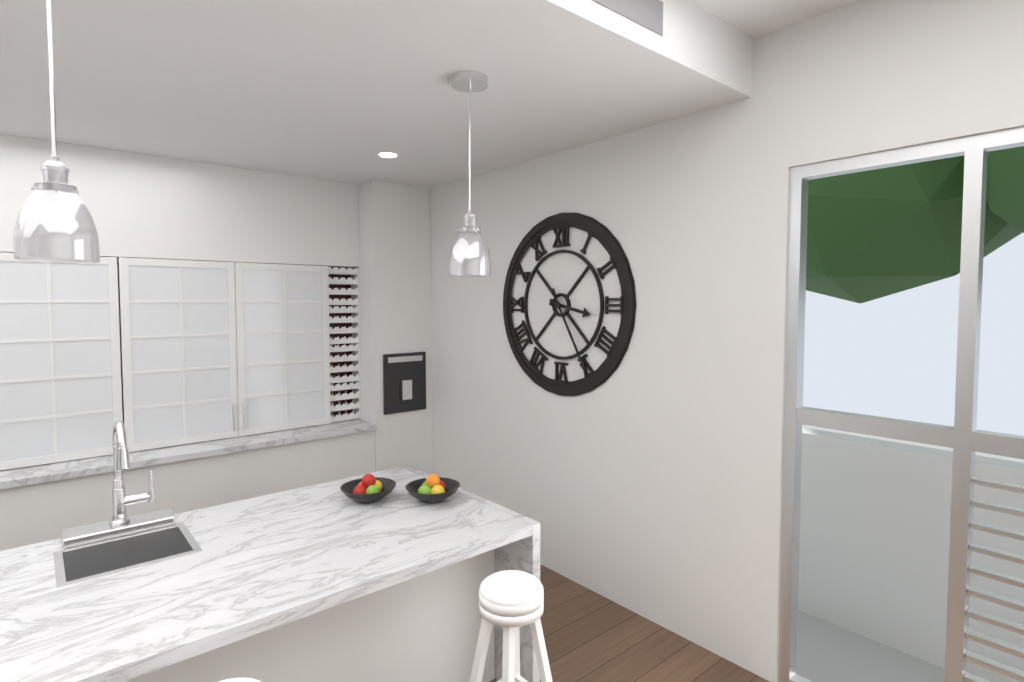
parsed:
3:25
